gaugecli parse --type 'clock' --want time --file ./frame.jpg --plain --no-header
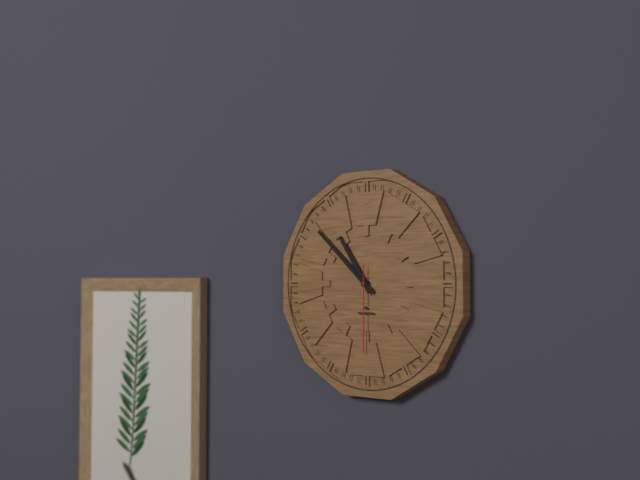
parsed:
10:52:30
